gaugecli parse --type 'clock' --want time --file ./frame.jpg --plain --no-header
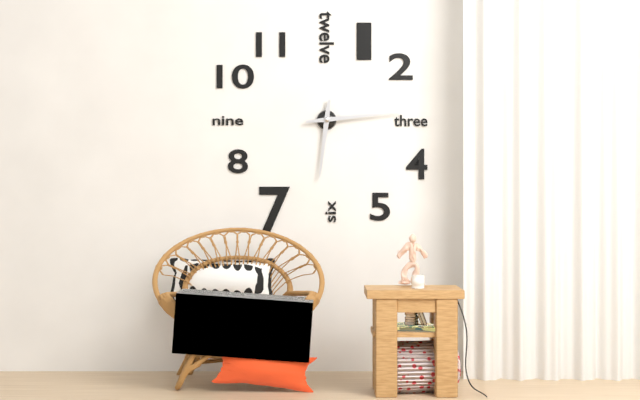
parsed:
6:14
